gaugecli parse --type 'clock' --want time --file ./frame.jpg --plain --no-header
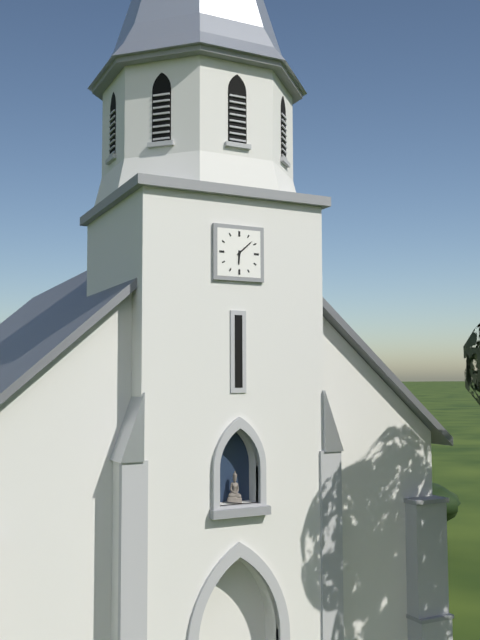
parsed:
6:08
